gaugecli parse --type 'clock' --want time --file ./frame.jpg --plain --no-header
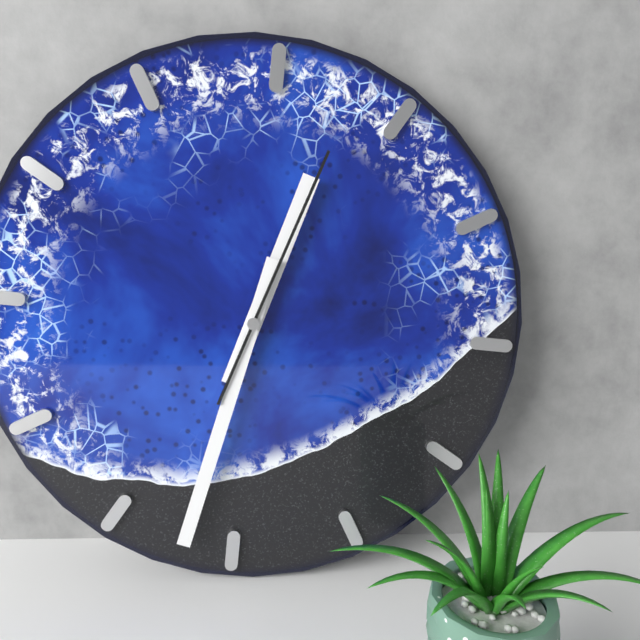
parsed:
12:32:03
